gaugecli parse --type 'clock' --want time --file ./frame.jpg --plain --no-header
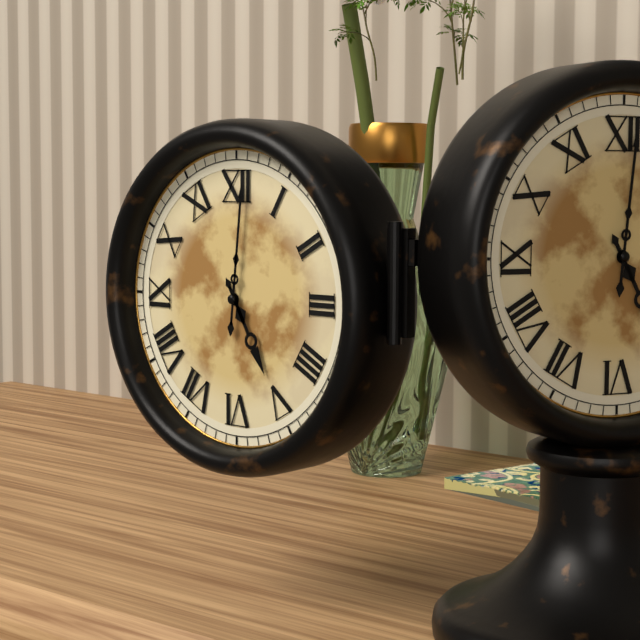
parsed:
5:01
